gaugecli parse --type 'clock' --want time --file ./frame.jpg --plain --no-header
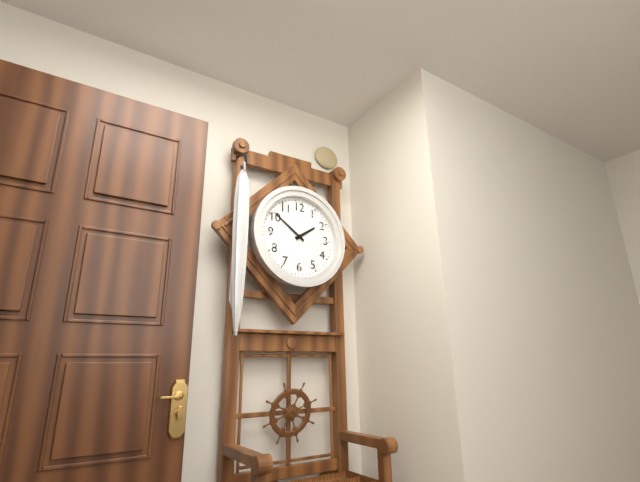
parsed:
1:51
